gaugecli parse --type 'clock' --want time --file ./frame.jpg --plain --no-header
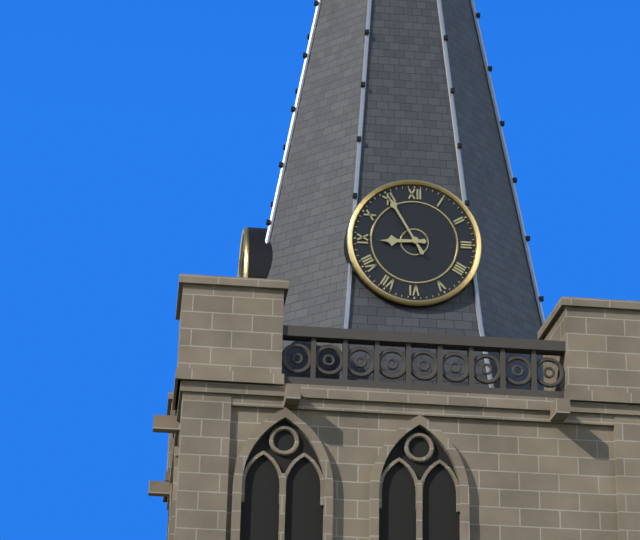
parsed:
8:55
